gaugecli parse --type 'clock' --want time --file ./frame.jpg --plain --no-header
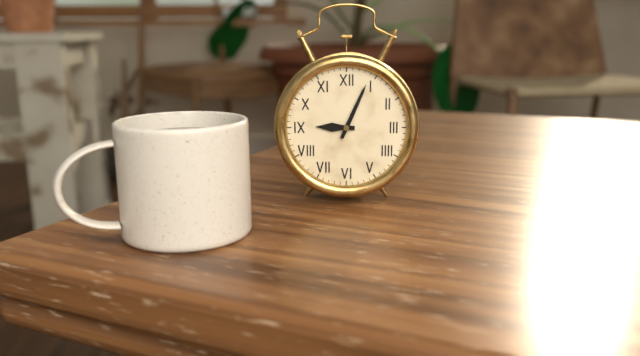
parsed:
9:04
